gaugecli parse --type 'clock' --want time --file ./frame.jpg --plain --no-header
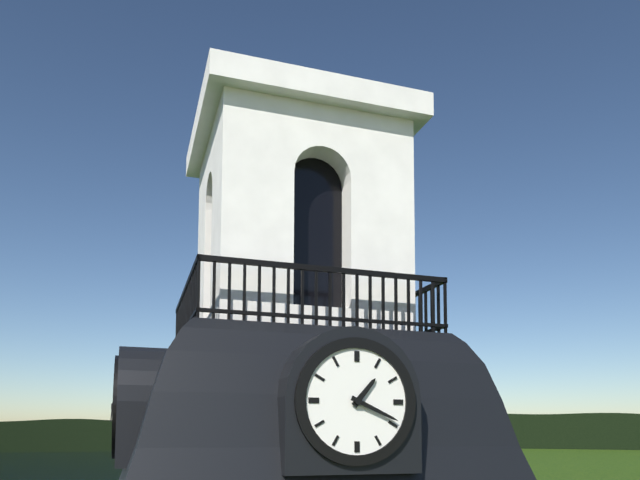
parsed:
1:19
